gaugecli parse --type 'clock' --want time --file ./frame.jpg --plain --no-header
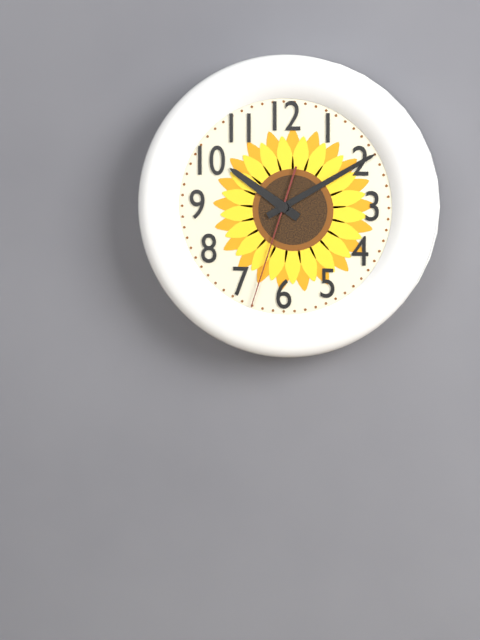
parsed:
10:10:33
